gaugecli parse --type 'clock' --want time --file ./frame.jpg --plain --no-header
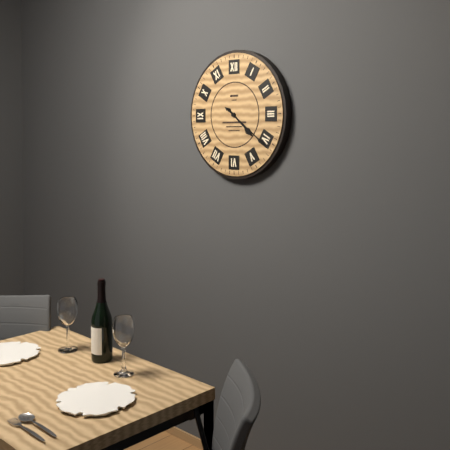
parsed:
4:21
